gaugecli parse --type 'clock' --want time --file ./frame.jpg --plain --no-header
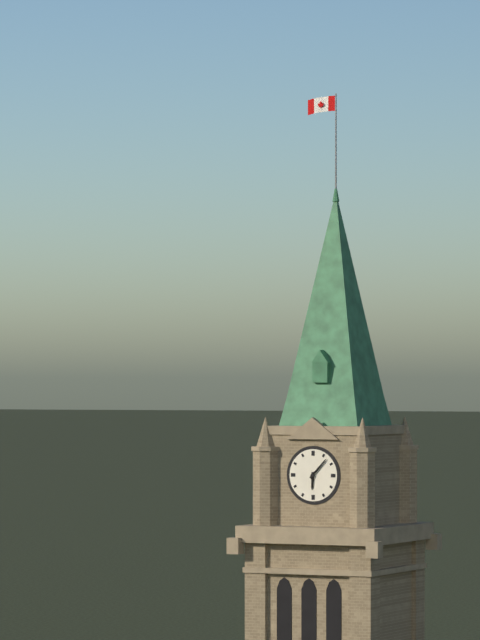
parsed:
6:07
